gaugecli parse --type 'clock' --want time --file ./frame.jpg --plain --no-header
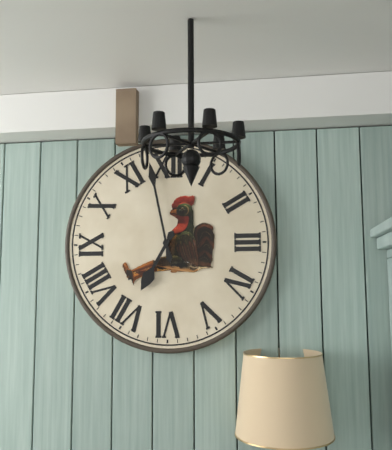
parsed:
6:58
